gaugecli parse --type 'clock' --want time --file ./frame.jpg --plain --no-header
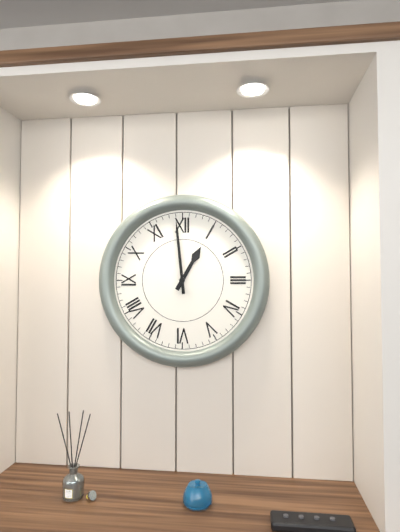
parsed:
12:59
